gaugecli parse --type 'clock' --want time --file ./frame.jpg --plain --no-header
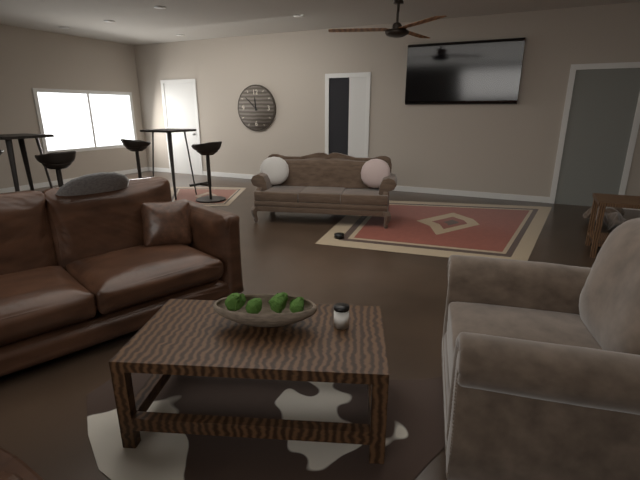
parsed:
11:52
